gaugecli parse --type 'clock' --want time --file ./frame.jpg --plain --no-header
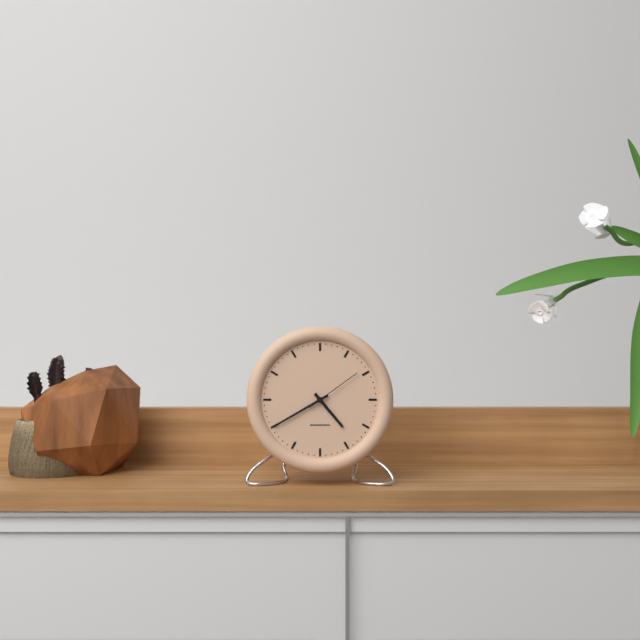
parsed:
4:40:09
